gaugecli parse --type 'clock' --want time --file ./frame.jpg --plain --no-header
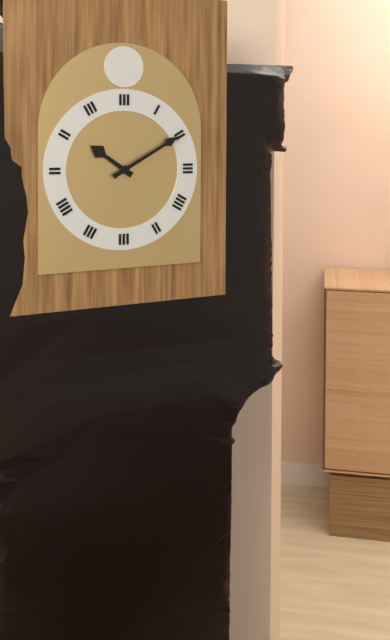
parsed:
10:10
